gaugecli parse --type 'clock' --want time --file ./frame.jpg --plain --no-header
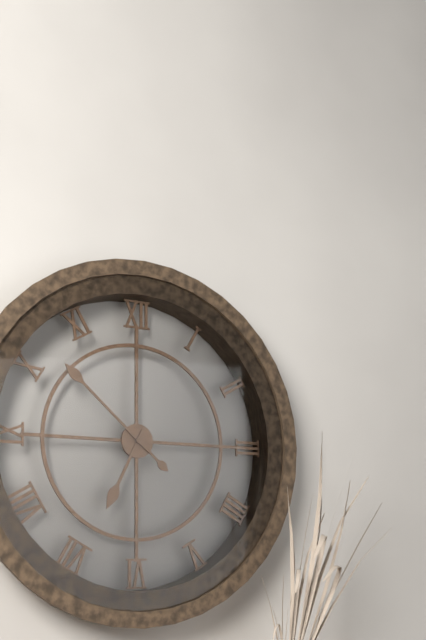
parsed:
6:52
